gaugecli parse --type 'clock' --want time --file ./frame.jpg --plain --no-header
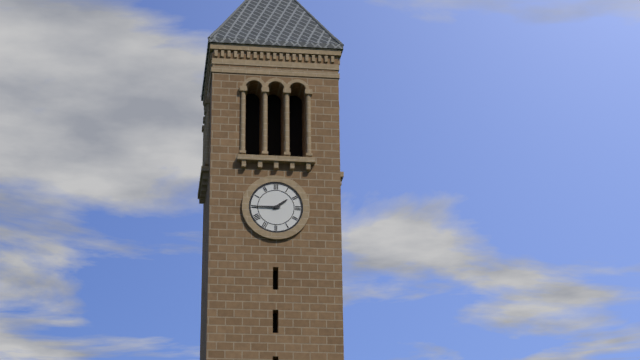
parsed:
1:45
